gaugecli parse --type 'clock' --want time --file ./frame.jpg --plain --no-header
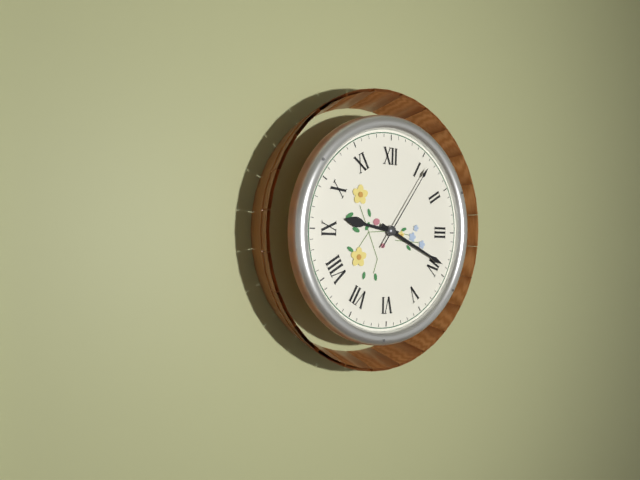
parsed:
9:19:06
